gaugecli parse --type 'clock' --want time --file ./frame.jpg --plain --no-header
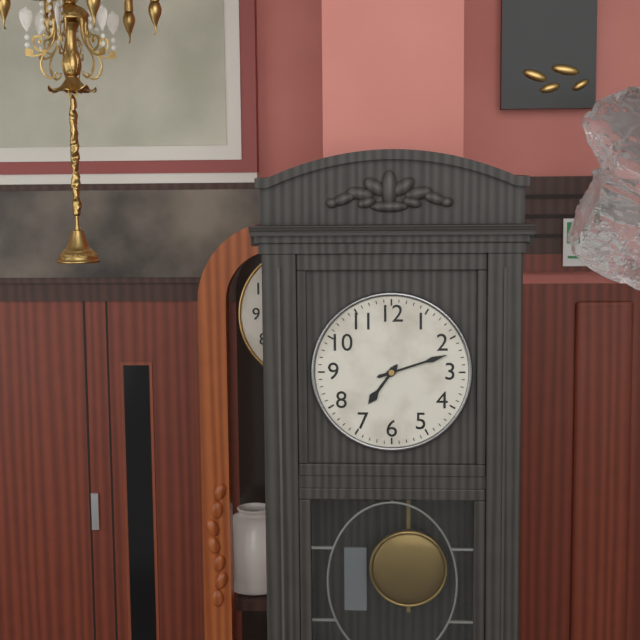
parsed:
7:12
